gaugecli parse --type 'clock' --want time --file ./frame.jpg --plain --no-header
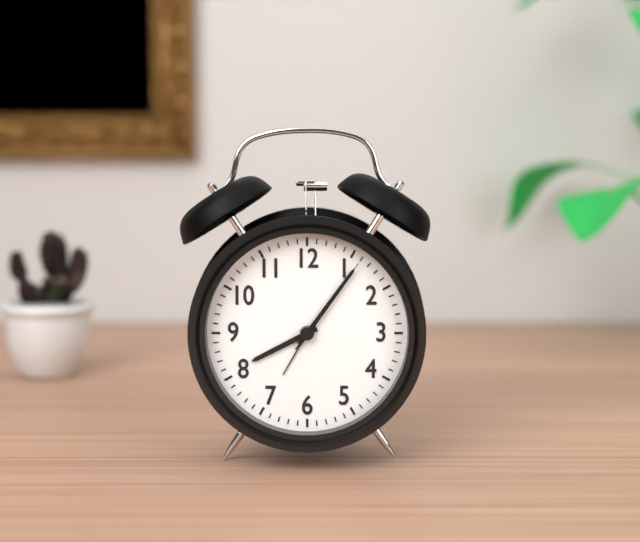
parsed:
8:06:06
